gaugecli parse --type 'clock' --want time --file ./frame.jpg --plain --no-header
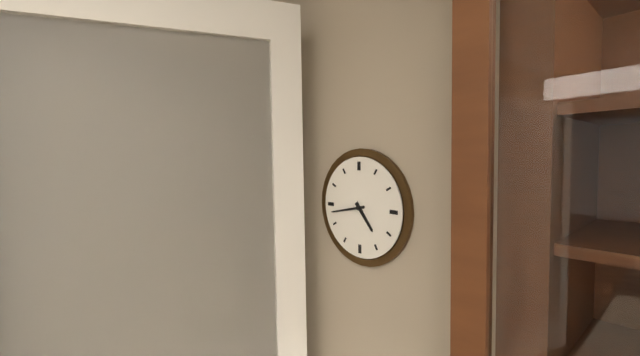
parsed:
4:43
